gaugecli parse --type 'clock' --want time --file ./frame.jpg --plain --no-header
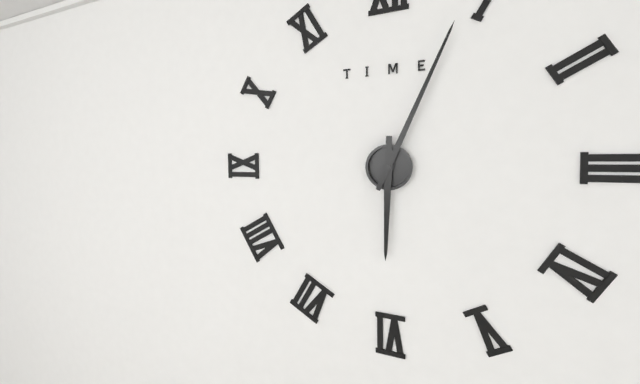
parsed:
6:04
